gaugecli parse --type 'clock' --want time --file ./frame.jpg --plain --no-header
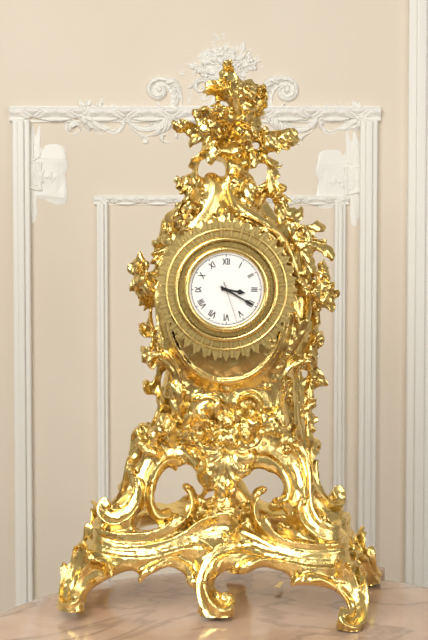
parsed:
3:20
